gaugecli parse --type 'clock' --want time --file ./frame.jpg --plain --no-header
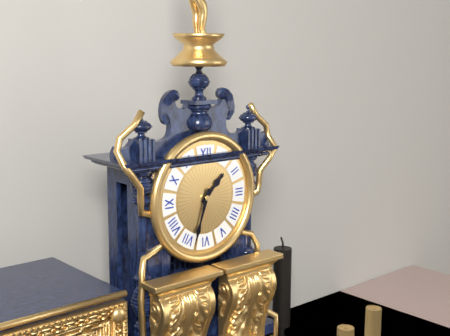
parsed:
1:33
